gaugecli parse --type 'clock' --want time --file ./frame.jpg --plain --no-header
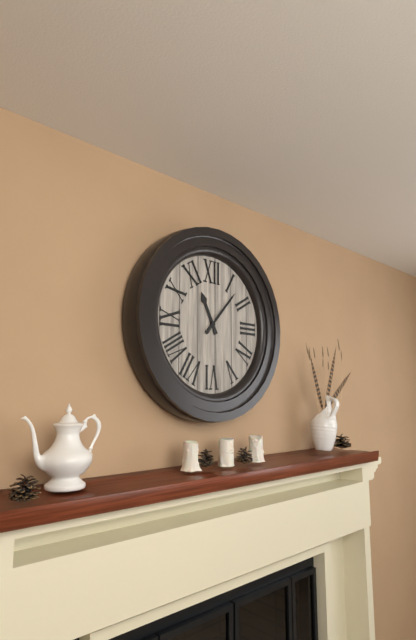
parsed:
11:07
